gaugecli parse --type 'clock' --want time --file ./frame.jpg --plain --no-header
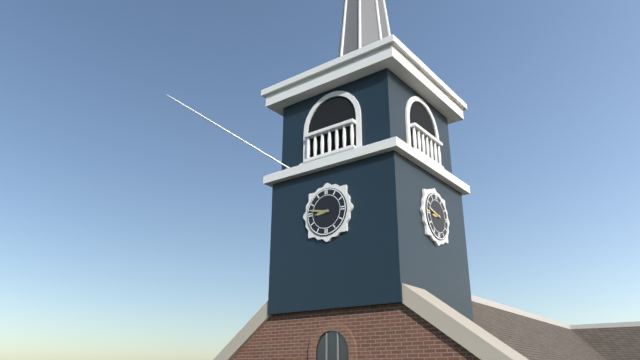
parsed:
8:47
